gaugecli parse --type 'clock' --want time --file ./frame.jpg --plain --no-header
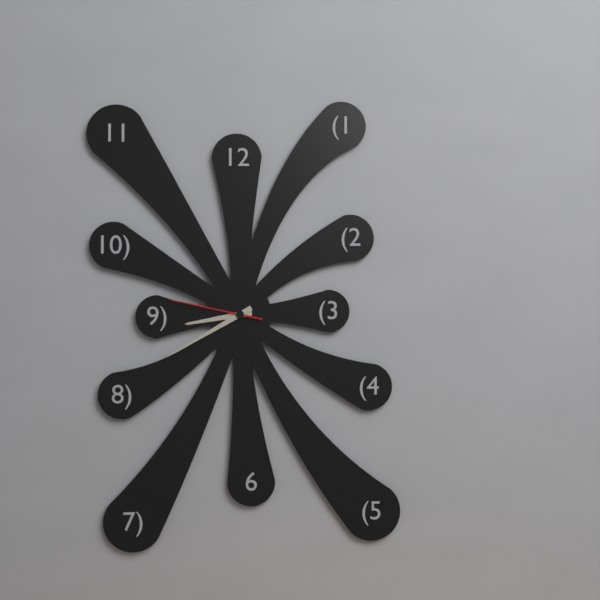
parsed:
8:40:47
